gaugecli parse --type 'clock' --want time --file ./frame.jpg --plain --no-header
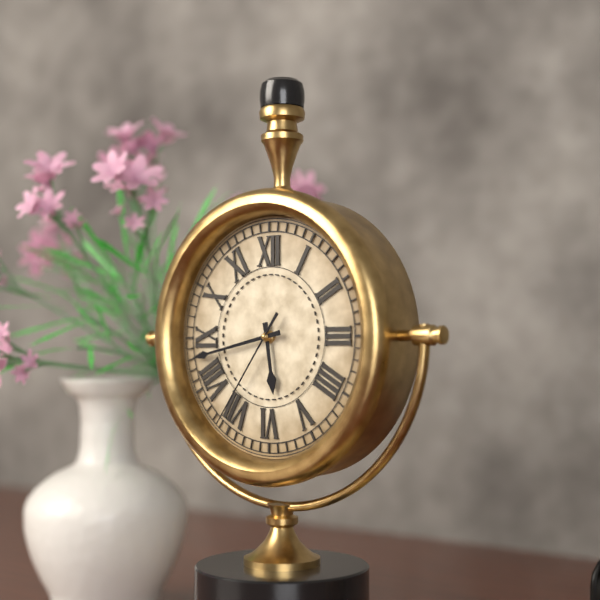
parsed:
5:43:36
